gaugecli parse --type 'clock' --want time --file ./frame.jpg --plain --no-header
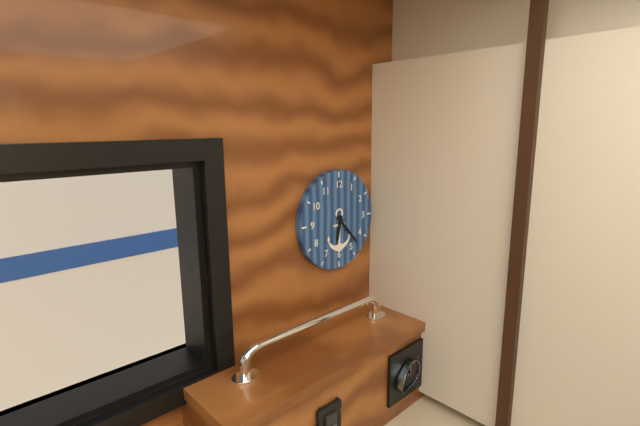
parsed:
6:23
